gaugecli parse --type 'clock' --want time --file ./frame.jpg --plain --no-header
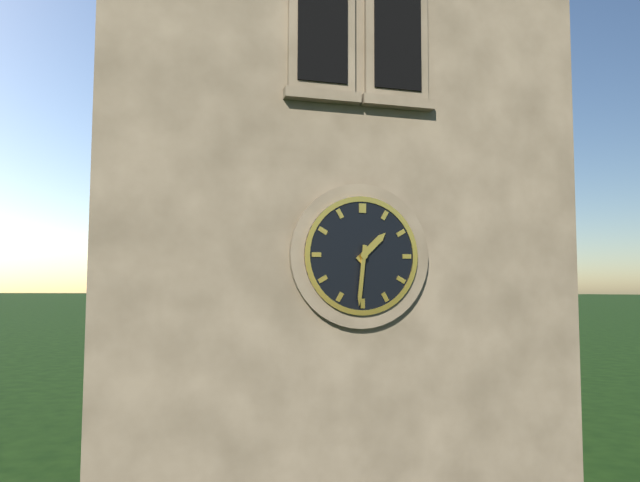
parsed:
1:31
